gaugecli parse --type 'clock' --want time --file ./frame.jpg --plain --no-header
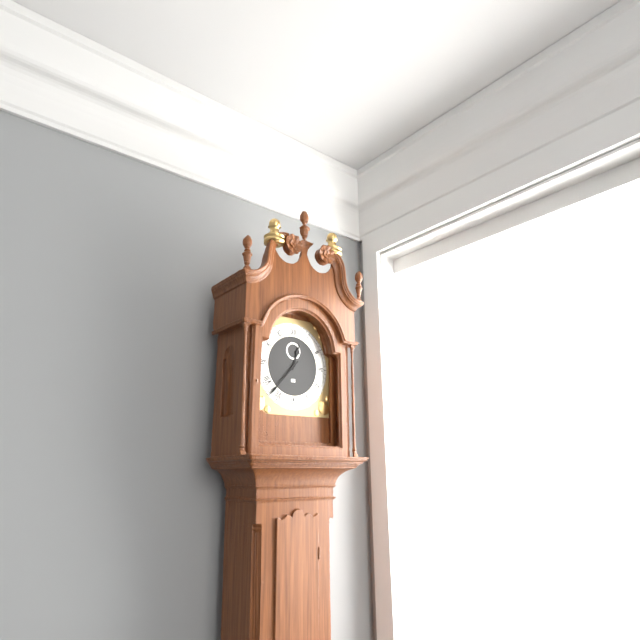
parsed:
12:37
